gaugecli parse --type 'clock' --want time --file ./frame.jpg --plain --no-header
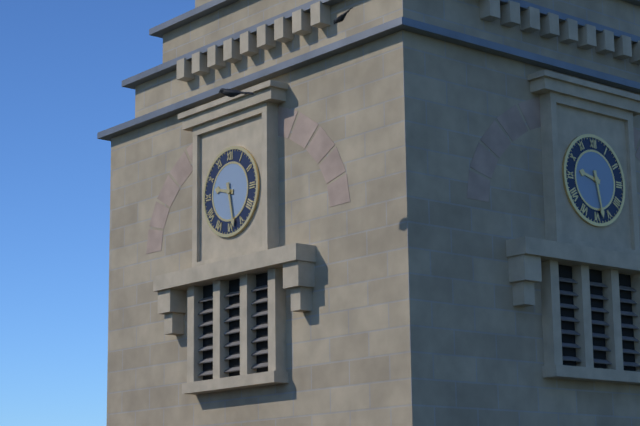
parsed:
9:28
